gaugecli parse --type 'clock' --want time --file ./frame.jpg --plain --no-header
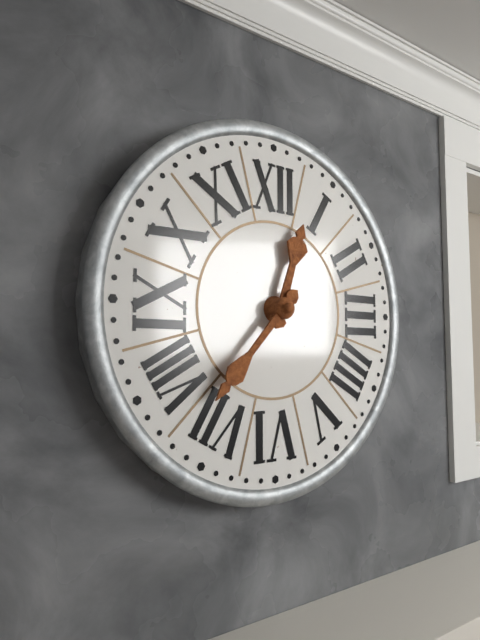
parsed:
12:37
